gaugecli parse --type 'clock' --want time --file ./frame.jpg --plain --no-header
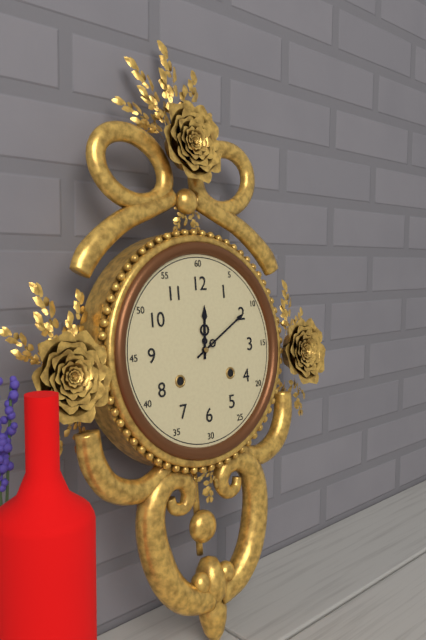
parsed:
12:10
